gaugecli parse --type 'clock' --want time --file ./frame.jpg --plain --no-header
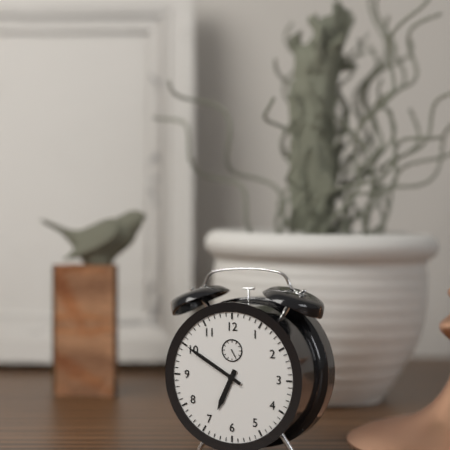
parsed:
6:50
